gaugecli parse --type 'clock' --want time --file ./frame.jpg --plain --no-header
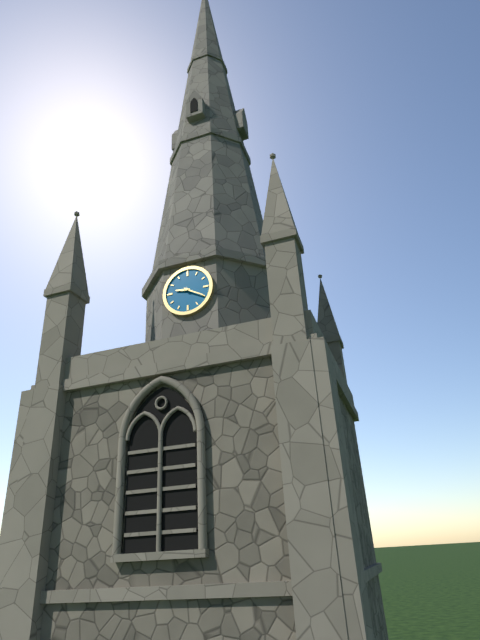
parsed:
9:20
